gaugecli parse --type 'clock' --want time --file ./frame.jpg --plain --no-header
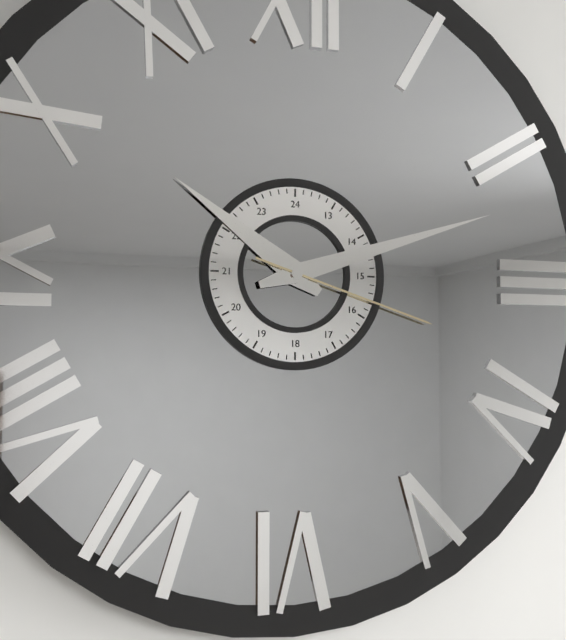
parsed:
10:12:18
